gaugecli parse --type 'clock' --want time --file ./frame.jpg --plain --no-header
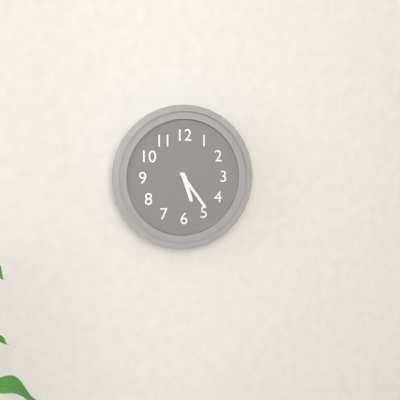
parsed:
5:24
